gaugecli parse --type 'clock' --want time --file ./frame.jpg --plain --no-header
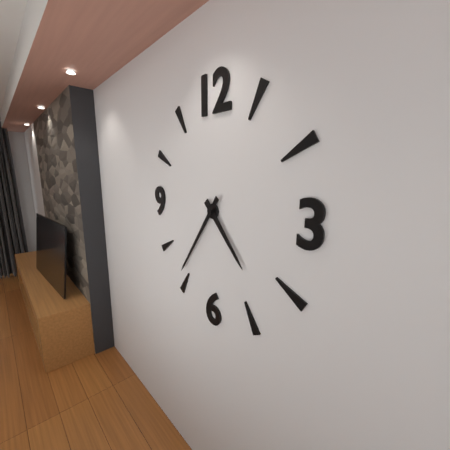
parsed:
4:36
